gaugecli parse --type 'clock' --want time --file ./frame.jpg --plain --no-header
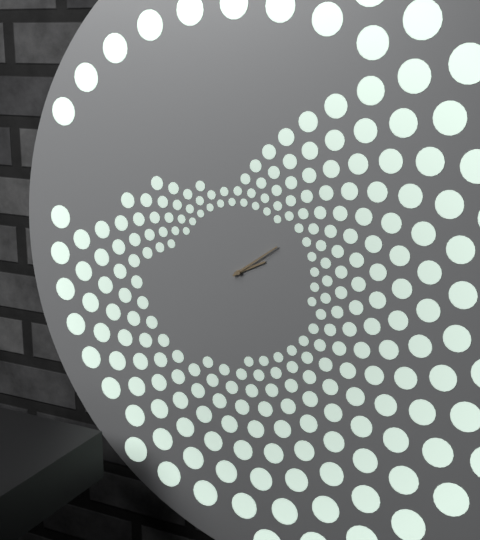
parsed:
2:09
